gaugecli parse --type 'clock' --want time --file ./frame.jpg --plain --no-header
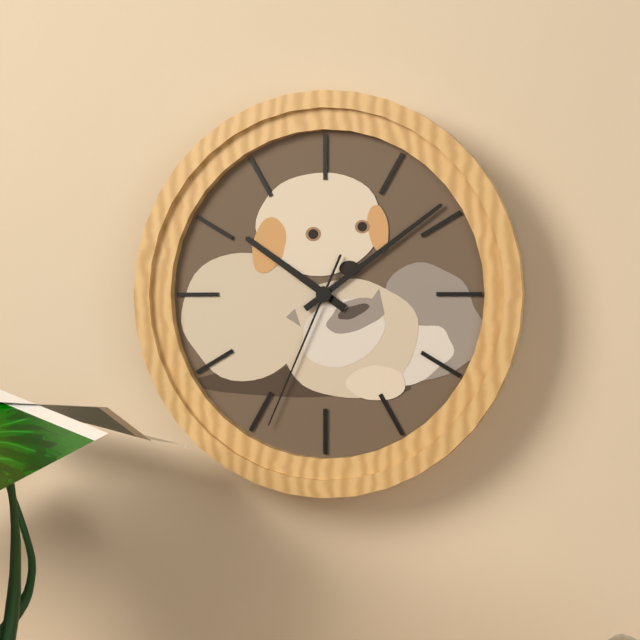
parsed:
10:09:34
